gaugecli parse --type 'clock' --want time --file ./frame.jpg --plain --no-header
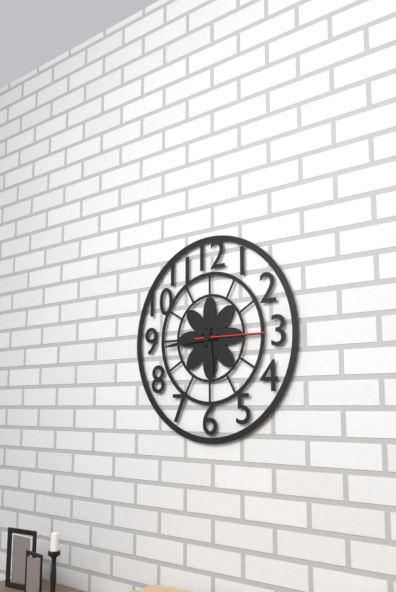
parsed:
5:44:15
